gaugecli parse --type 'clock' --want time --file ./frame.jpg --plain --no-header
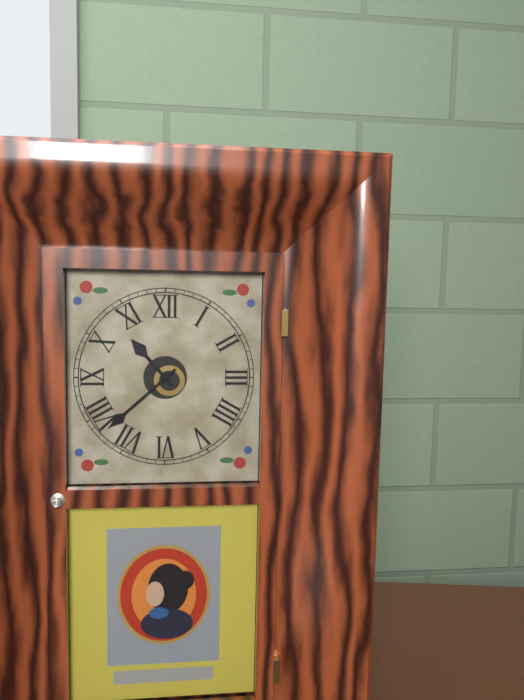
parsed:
10:38
